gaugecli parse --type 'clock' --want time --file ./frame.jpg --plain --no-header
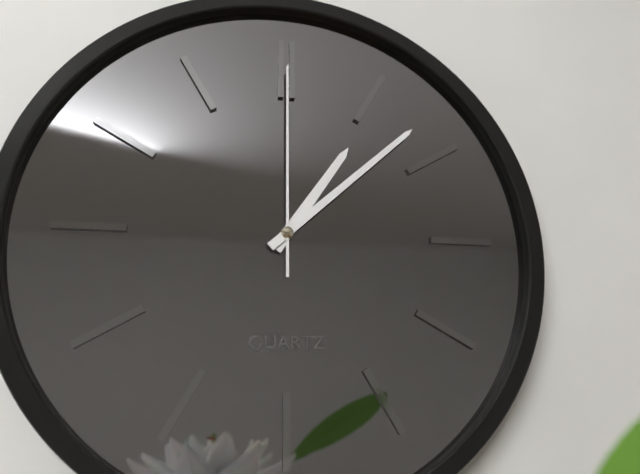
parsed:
1:08:00
